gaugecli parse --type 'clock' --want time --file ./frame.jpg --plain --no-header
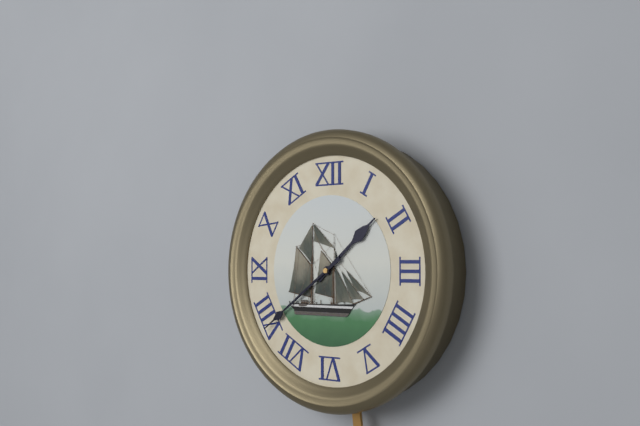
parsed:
1:39
